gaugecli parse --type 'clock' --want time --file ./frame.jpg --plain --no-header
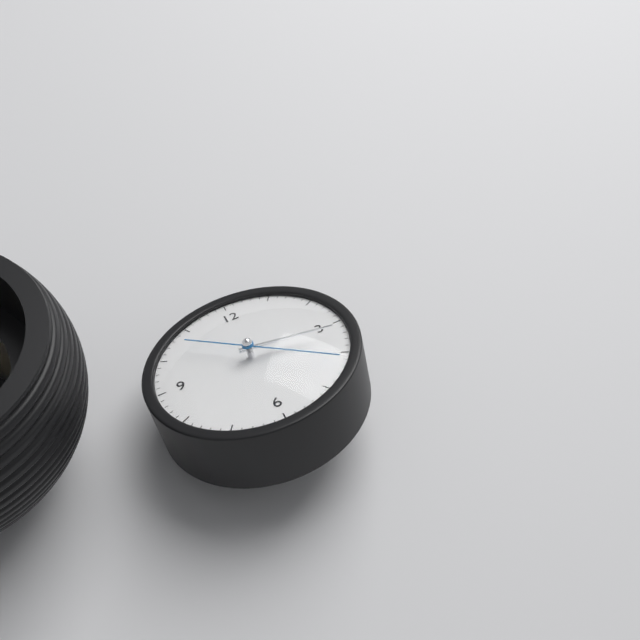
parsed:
3:17:22
